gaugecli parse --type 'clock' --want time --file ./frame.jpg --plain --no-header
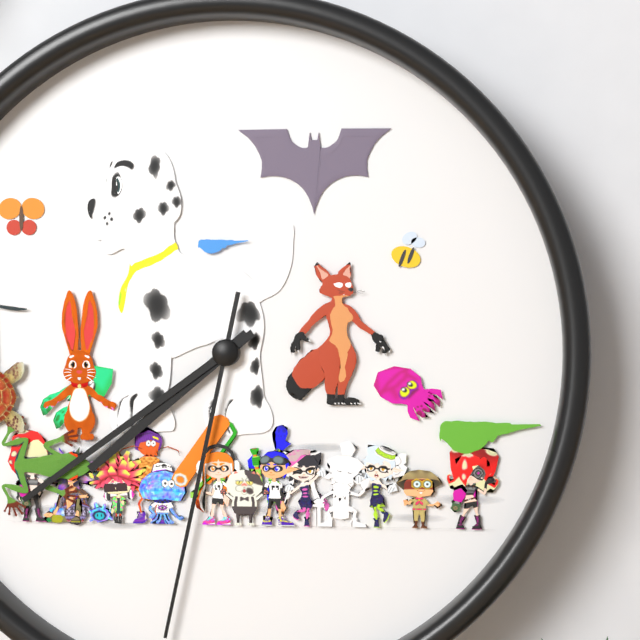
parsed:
7:39:32
